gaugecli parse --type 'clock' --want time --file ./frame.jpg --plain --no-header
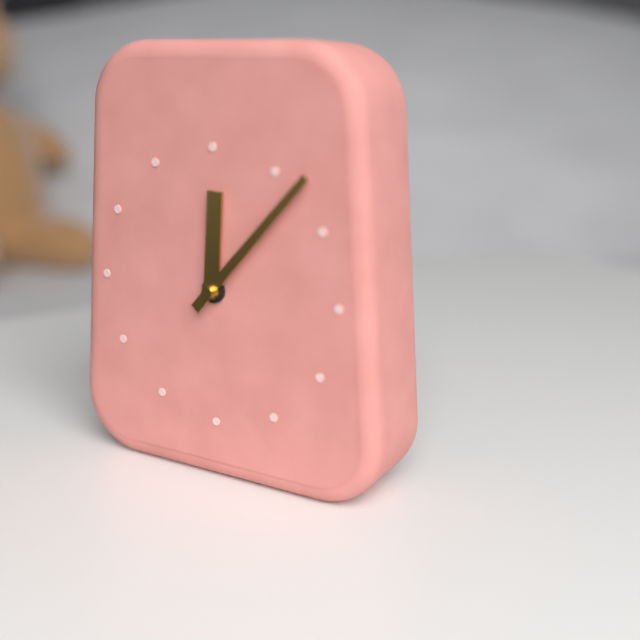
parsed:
12:07
